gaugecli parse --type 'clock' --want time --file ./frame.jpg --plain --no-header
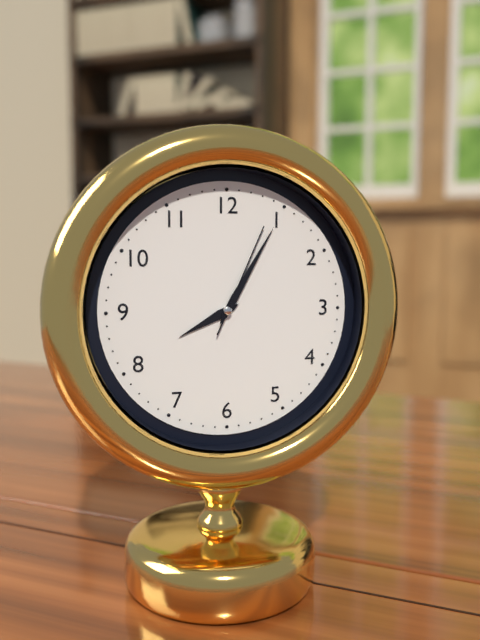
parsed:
8:05:04
